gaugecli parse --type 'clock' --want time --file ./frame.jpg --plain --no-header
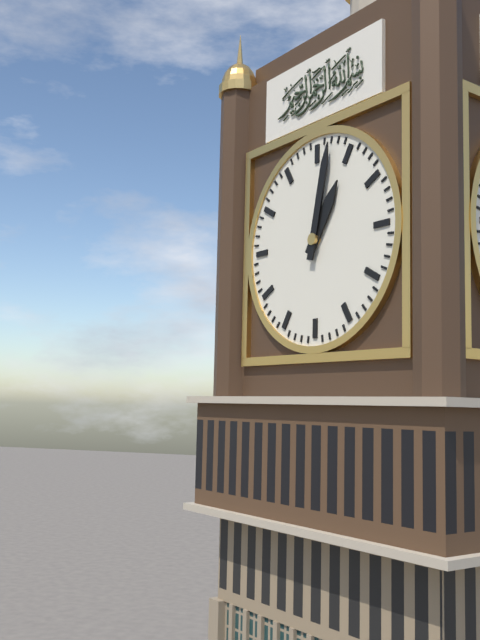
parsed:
1:02
